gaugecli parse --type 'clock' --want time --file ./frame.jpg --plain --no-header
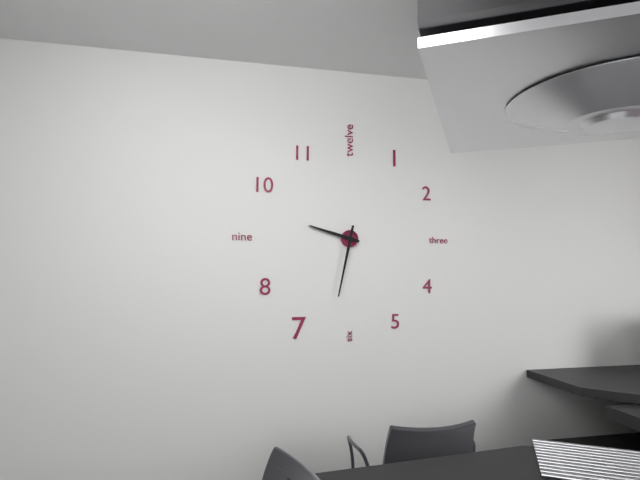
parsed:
9:32
